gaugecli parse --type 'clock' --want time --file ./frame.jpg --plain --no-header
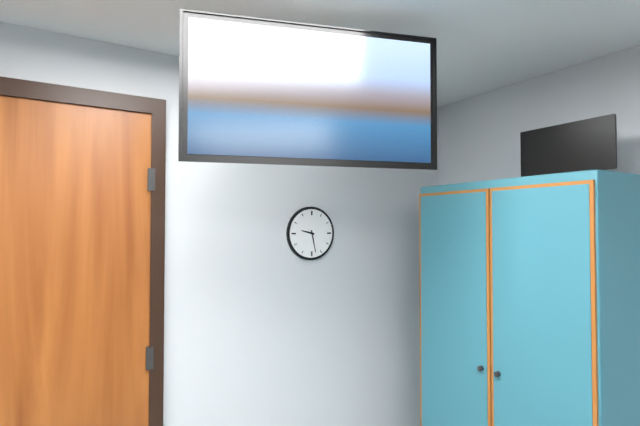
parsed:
9:28
